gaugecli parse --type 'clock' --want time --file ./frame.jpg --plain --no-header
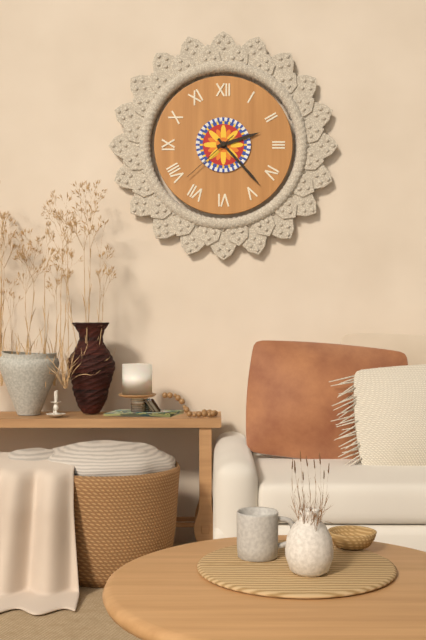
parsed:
2:23:38
